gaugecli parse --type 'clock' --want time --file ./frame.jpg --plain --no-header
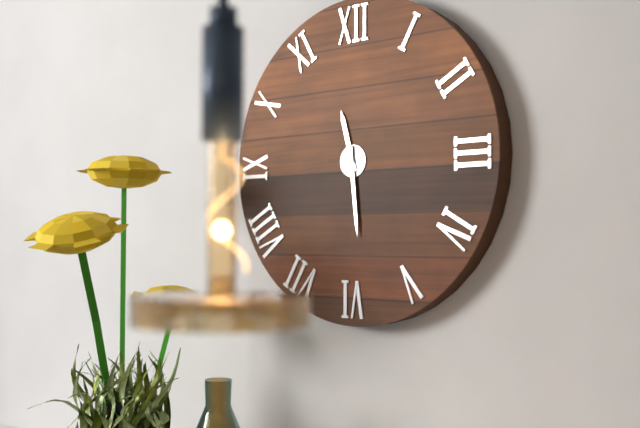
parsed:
11:29
